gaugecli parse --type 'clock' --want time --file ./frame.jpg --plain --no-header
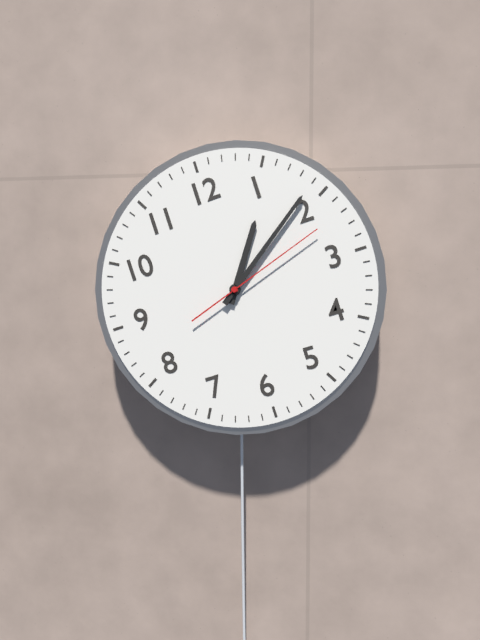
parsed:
1:09:12
